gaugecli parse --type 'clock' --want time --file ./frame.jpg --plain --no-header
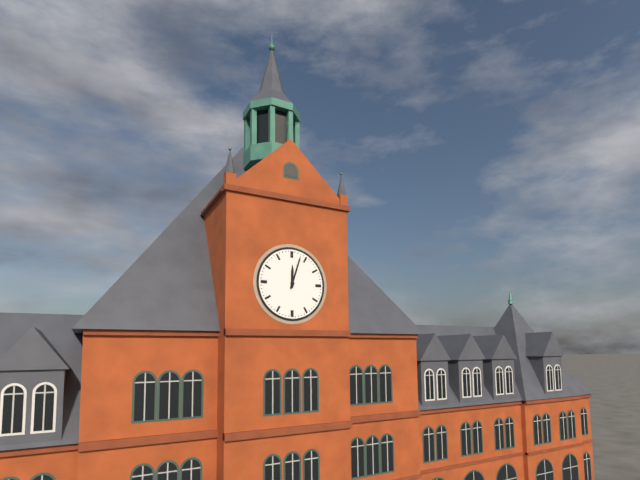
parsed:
12:03
